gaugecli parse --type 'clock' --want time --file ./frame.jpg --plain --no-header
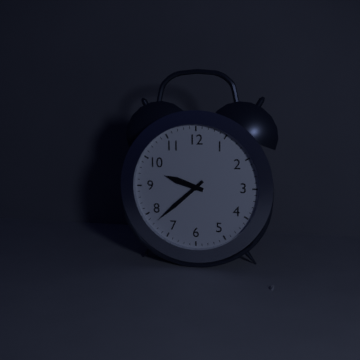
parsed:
9:38
